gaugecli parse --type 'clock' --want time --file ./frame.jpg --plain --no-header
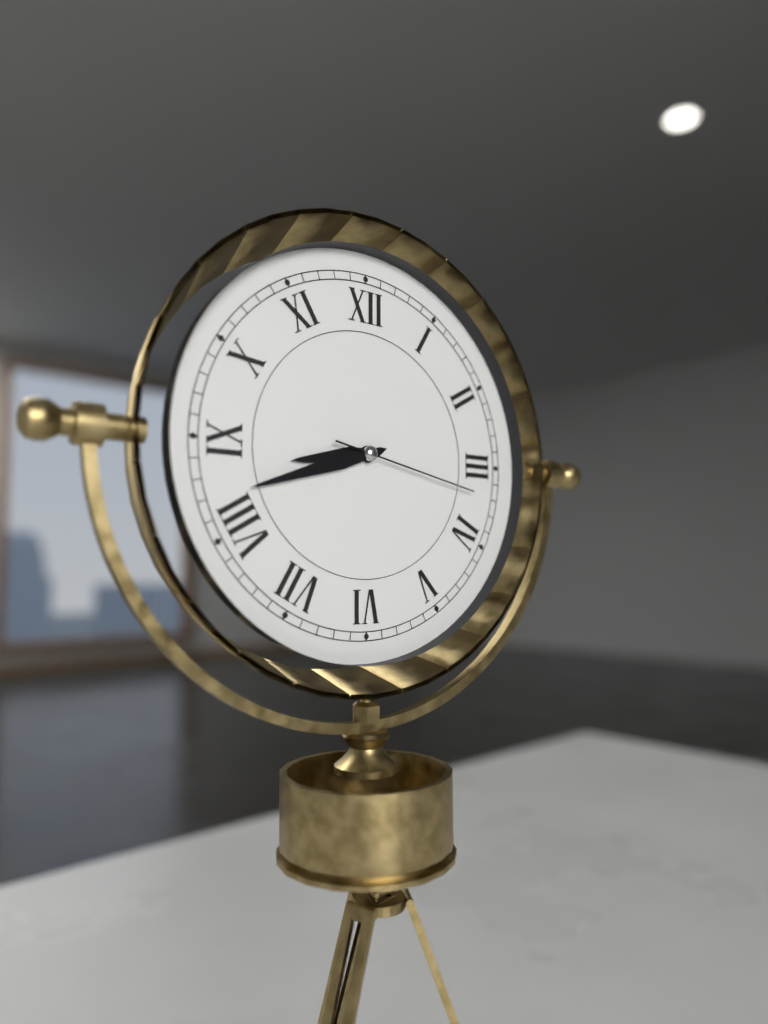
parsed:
8:42:17
